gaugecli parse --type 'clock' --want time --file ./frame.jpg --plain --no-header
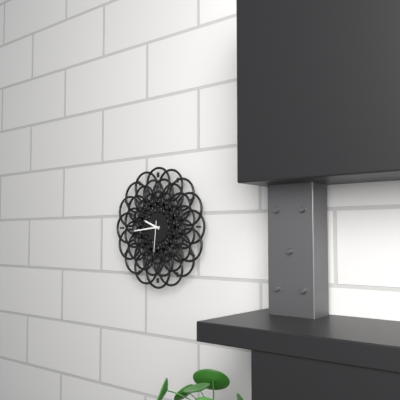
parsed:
9:44
